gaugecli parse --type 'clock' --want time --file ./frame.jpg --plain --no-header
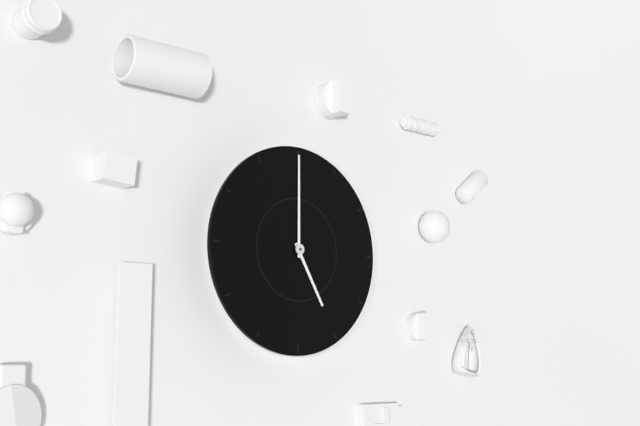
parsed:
5:00
